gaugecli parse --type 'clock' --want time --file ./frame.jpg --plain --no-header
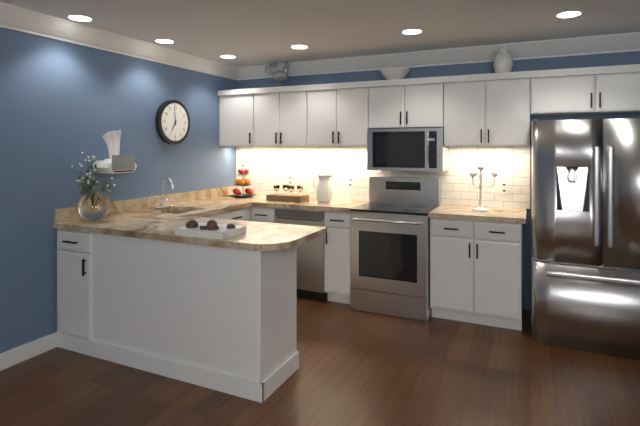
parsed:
6:59
